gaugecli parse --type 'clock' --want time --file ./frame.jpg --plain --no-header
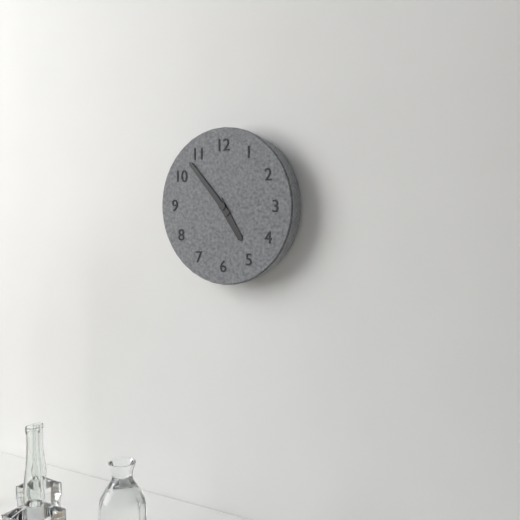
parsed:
4:53
